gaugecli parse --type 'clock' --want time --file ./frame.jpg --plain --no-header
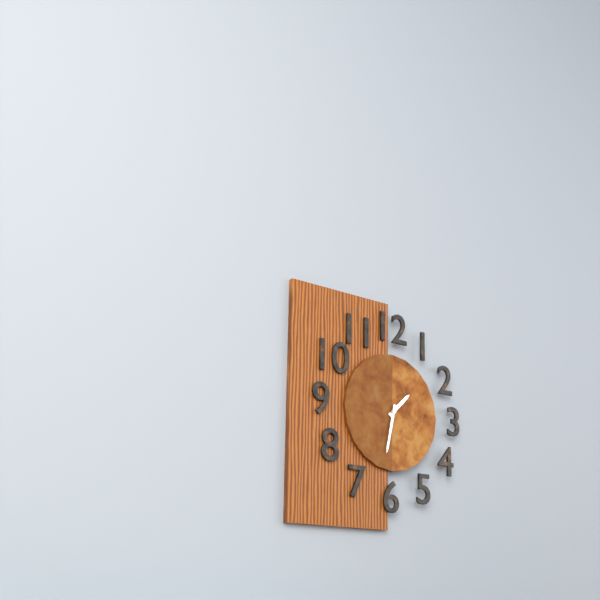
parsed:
1:32
